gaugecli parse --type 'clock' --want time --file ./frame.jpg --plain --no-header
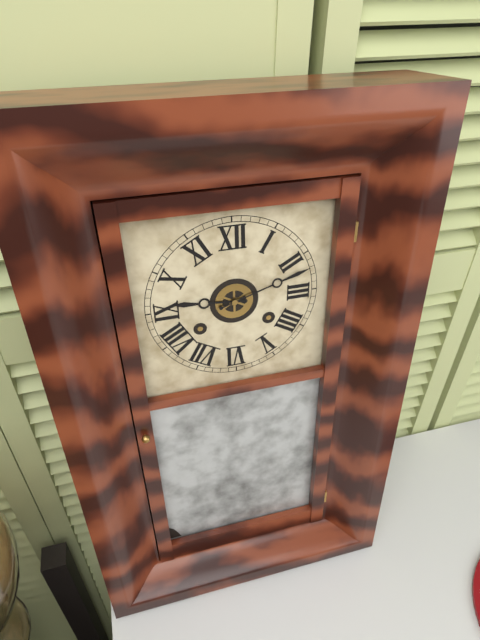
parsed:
9:12
